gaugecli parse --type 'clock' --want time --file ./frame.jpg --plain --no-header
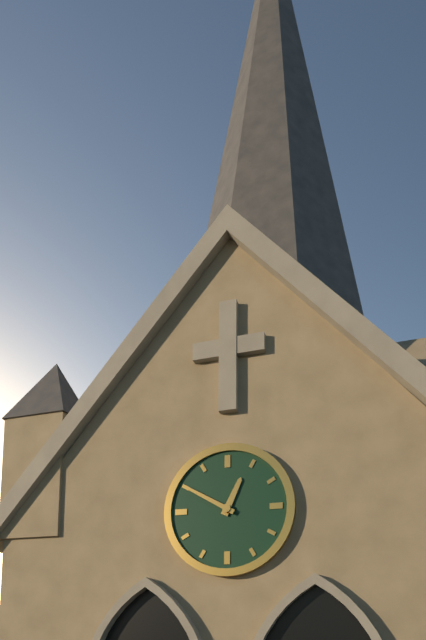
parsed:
12:50
